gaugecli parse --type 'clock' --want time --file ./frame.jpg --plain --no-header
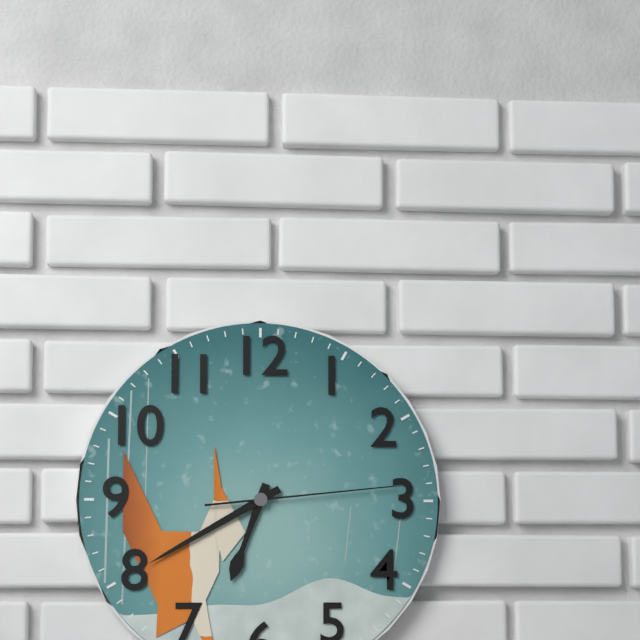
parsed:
6:40:14
